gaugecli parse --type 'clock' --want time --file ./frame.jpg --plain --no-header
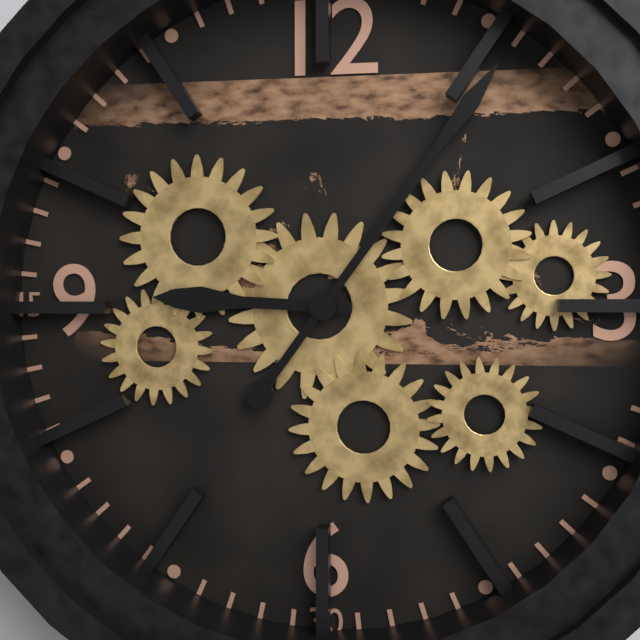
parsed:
9:06
